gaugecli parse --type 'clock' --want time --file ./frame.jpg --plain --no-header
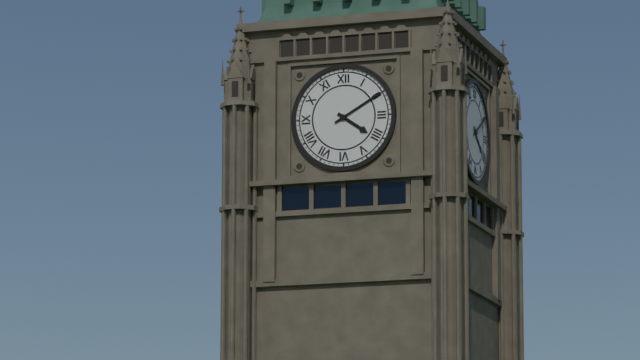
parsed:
4:10
